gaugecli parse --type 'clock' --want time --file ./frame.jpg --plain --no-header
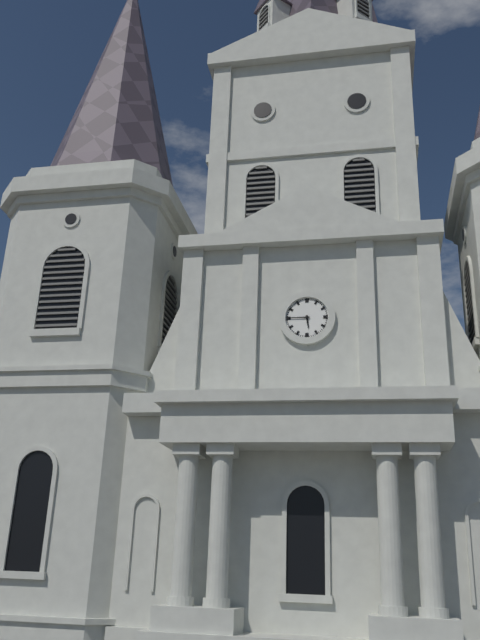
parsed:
5:45
